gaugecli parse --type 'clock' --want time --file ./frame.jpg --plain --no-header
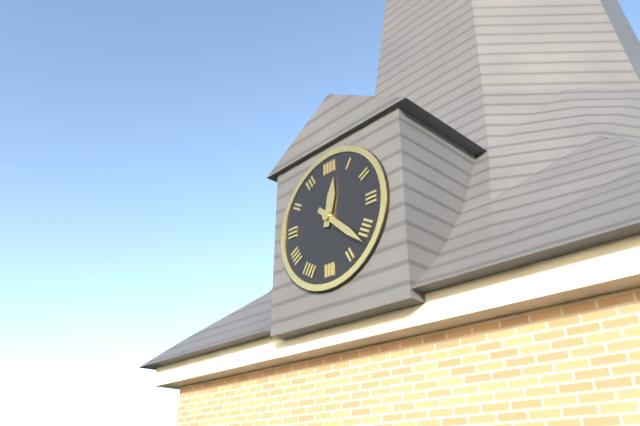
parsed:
12:22
